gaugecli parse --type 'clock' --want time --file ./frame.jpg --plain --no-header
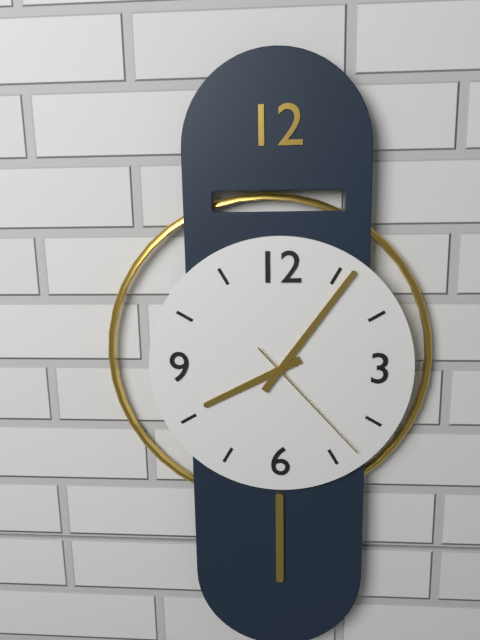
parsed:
8:06:23
